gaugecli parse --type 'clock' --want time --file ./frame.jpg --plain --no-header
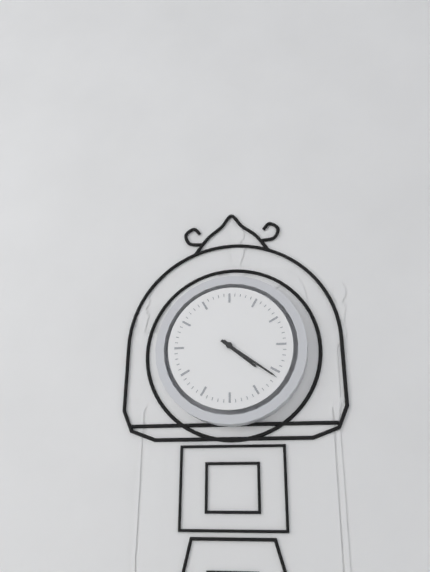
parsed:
4:21
